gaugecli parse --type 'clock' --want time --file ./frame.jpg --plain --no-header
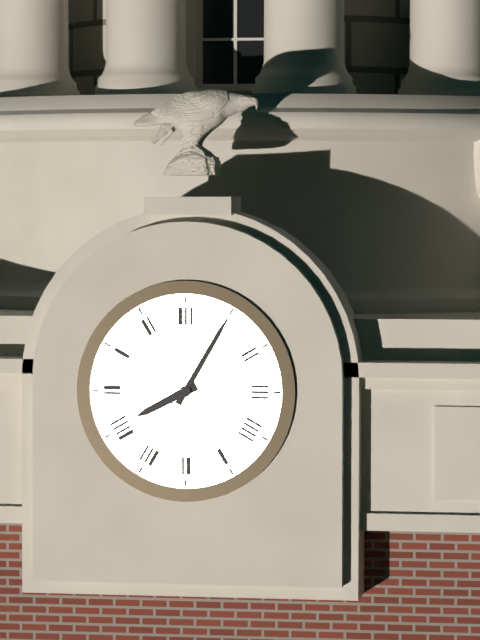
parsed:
8:05
